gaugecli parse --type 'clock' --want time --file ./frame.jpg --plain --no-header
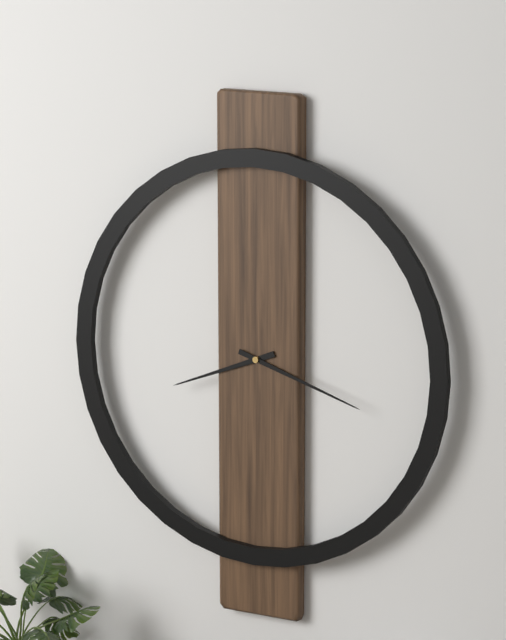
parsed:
8:18
